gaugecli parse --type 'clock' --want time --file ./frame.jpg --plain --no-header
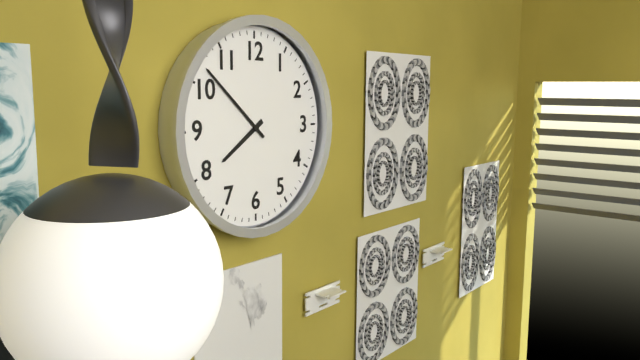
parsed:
7:52
